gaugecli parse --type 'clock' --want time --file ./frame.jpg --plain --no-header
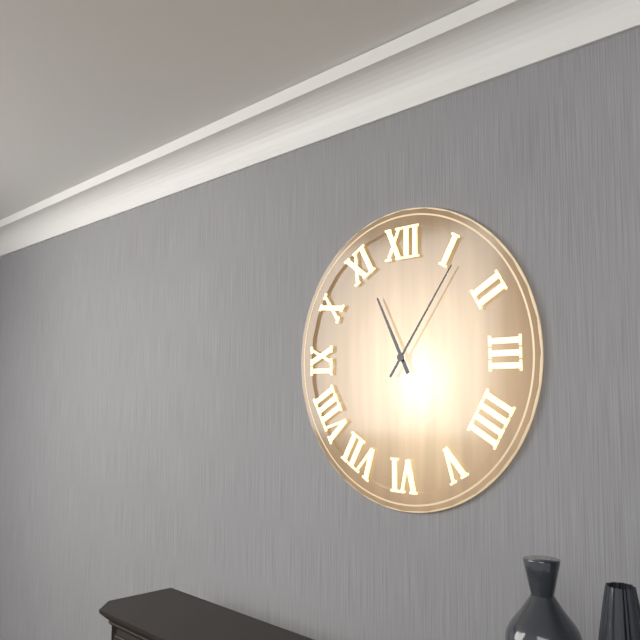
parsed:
11:06
